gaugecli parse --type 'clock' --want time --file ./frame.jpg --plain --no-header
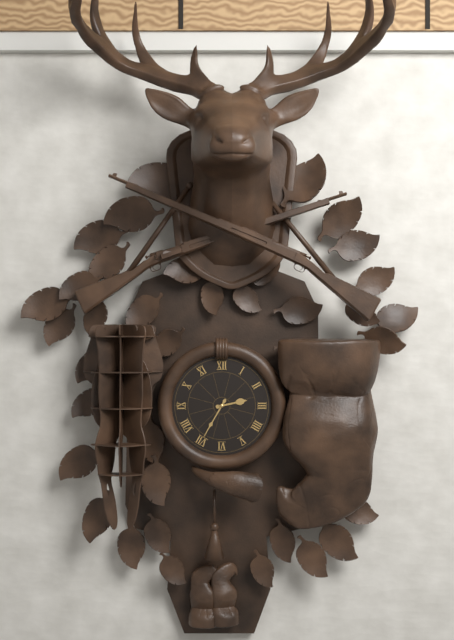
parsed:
2:35
